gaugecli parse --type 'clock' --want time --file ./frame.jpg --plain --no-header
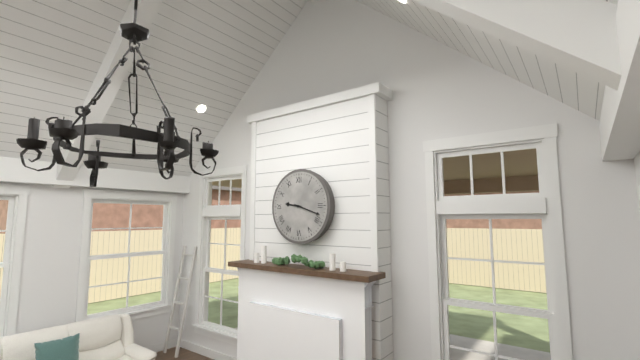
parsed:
9:18
